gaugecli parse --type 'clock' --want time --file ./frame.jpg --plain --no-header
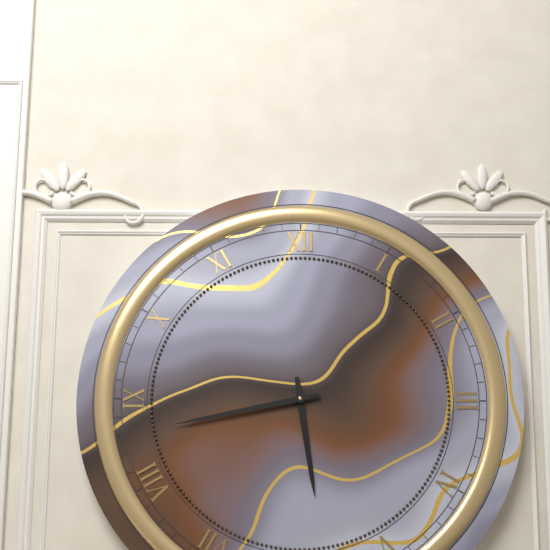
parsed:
5:43
